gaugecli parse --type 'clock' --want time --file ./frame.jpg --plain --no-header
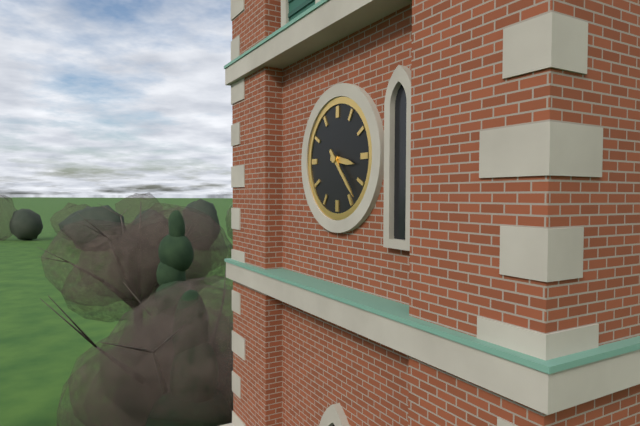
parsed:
3:23
